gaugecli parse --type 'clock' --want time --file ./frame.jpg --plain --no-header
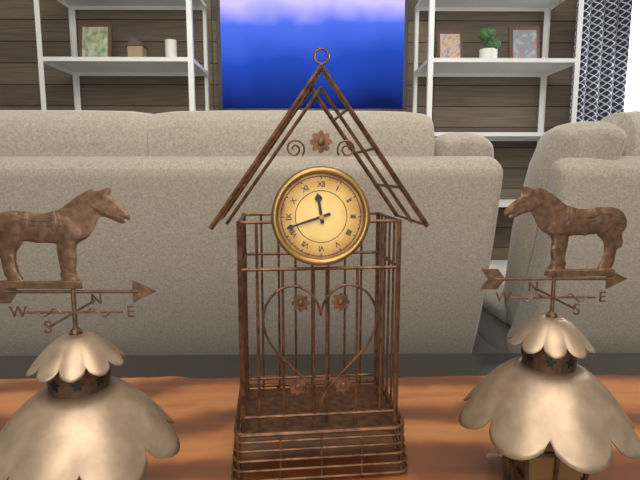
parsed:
11:42
